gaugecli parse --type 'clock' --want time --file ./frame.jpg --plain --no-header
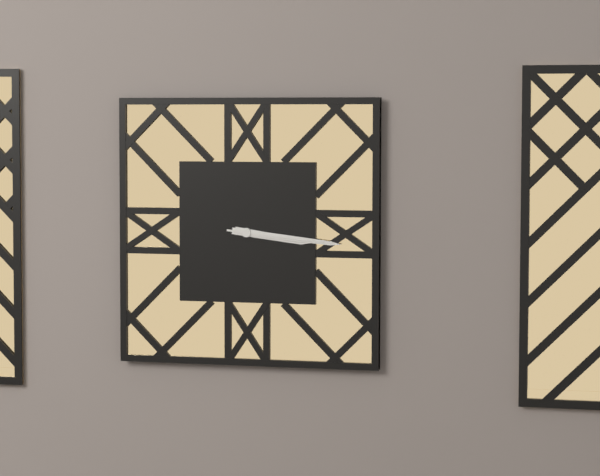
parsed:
3:16:16
